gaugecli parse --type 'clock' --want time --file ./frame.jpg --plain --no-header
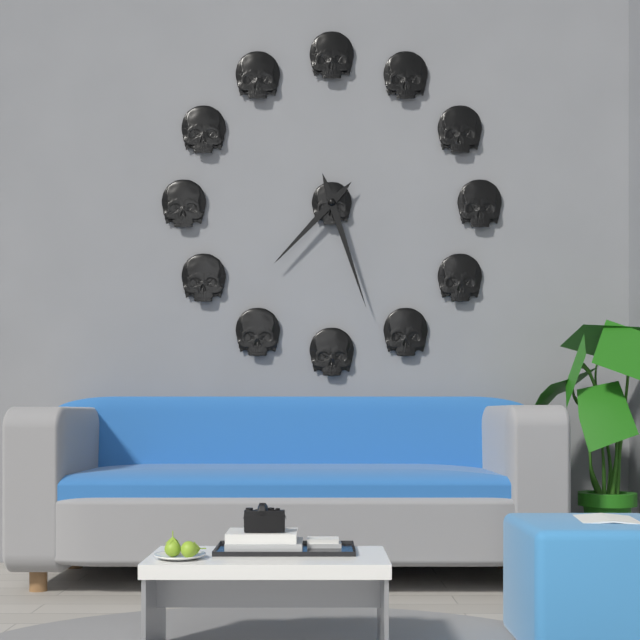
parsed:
7:27
